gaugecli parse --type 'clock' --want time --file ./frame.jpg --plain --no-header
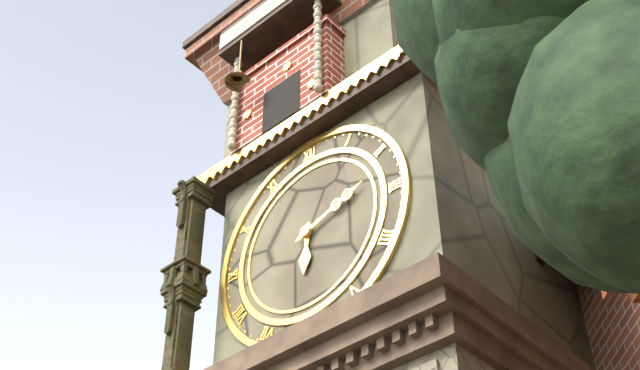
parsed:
6:12
